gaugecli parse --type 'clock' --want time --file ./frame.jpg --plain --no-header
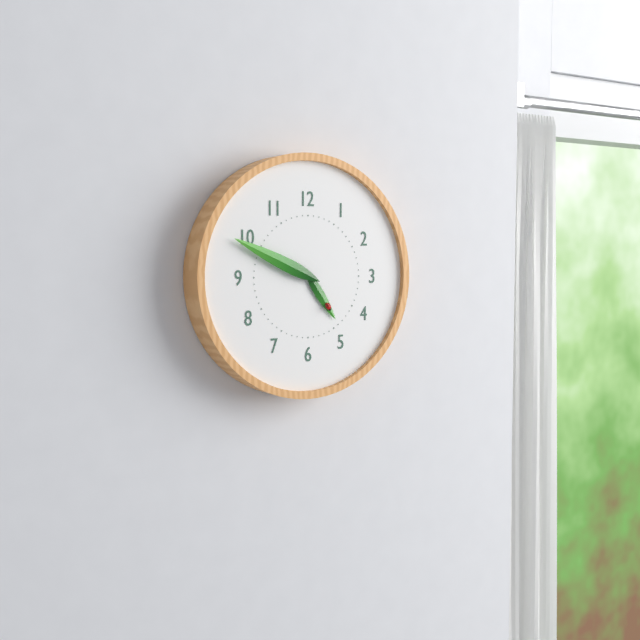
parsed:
4:49
